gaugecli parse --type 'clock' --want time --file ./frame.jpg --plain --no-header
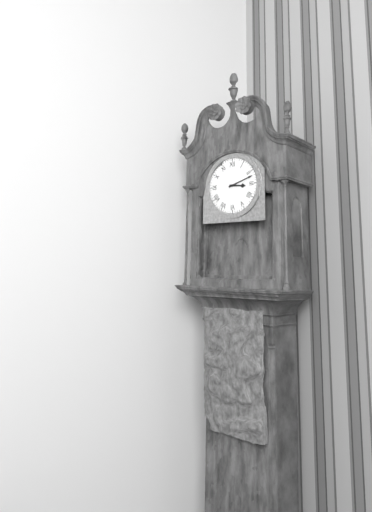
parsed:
3:12
